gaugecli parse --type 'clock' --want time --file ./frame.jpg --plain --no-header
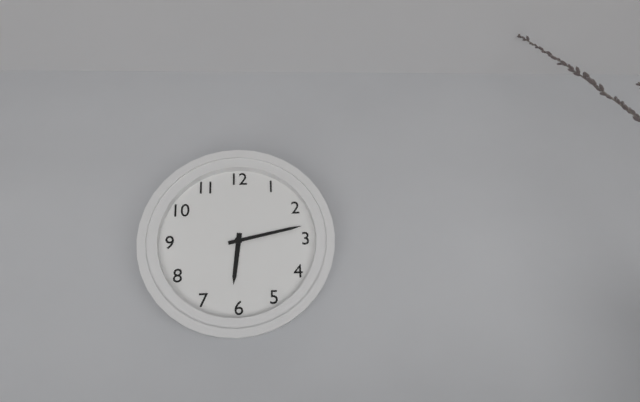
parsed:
6:13
